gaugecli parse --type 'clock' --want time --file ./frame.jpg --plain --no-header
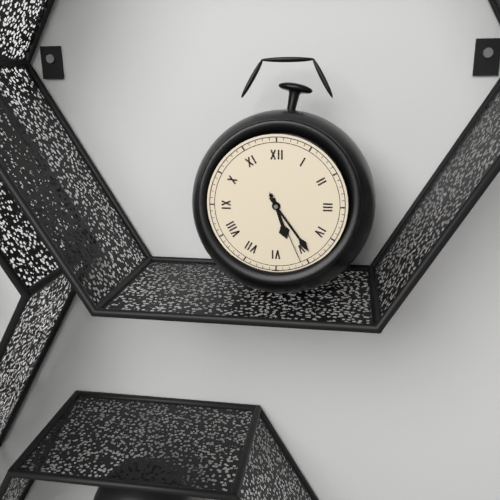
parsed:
5:24:26
